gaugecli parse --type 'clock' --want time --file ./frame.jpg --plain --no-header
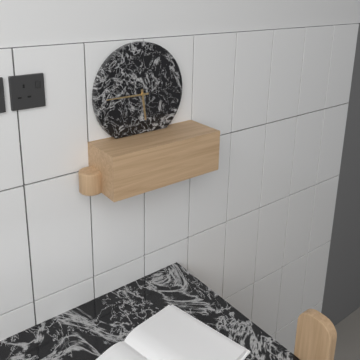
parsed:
5:45
